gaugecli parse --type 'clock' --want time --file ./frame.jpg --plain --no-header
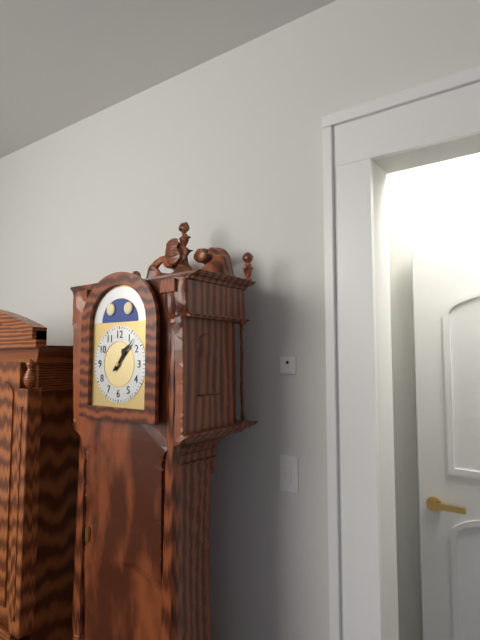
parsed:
1:07
